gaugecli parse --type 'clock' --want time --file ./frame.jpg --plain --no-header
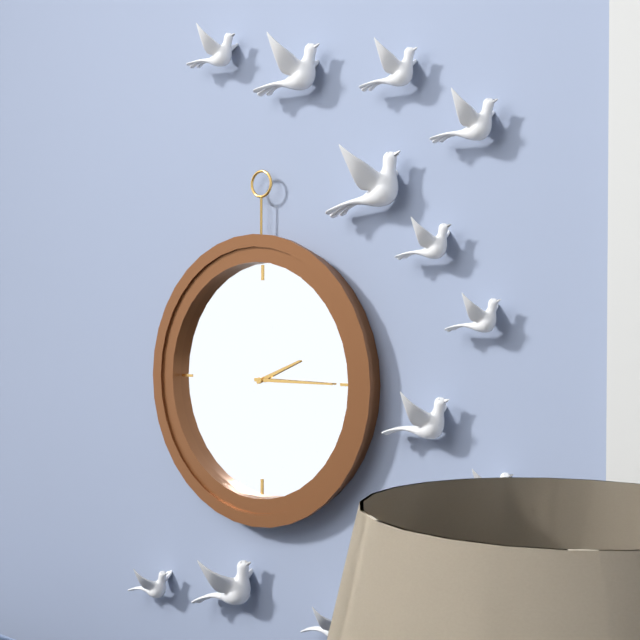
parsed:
2:15
